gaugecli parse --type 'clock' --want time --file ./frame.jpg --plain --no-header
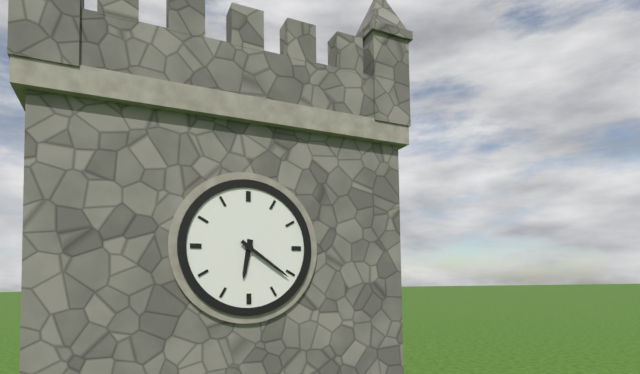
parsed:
6:21
